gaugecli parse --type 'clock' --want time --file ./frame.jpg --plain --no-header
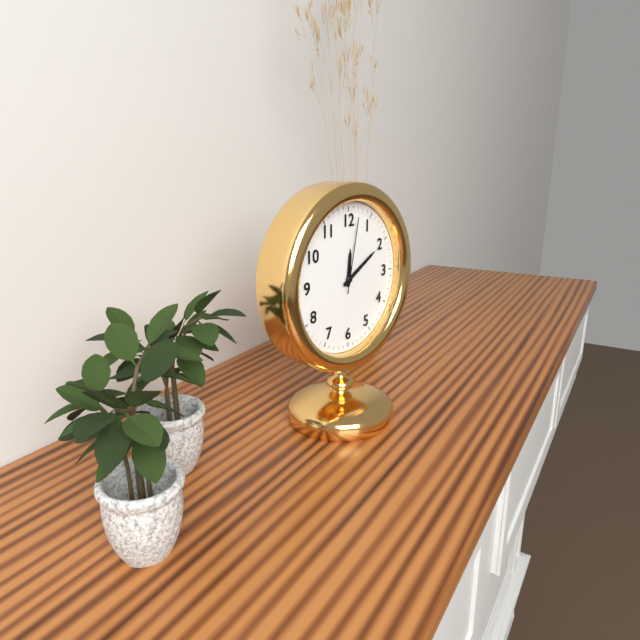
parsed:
12:10:02
